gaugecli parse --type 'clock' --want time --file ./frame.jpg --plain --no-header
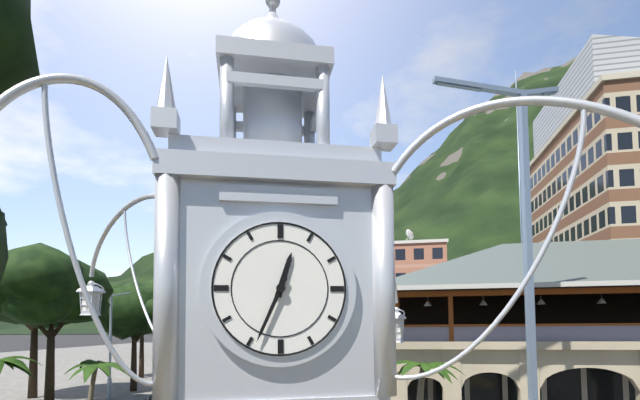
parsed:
12:34
